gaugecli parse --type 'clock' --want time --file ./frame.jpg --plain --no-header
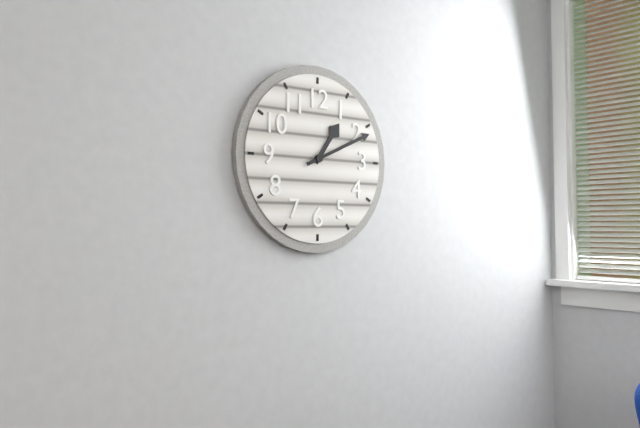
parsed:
1:11
